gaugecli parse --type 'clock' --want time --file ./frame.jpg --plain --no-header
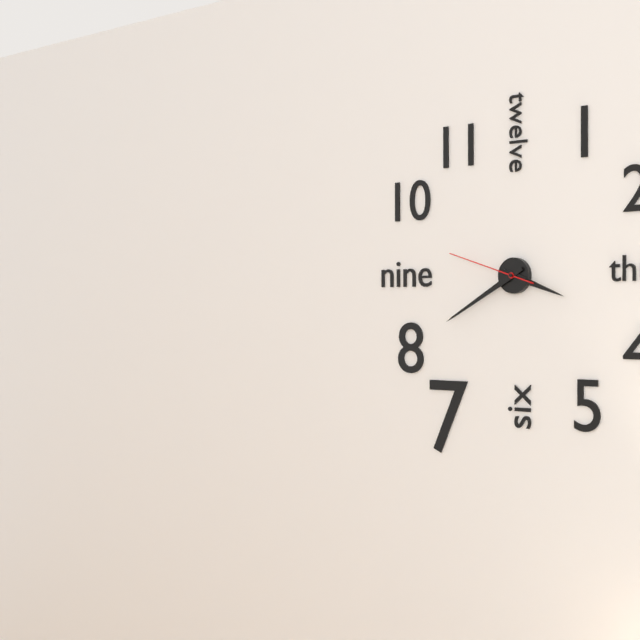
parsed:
3:40:48
